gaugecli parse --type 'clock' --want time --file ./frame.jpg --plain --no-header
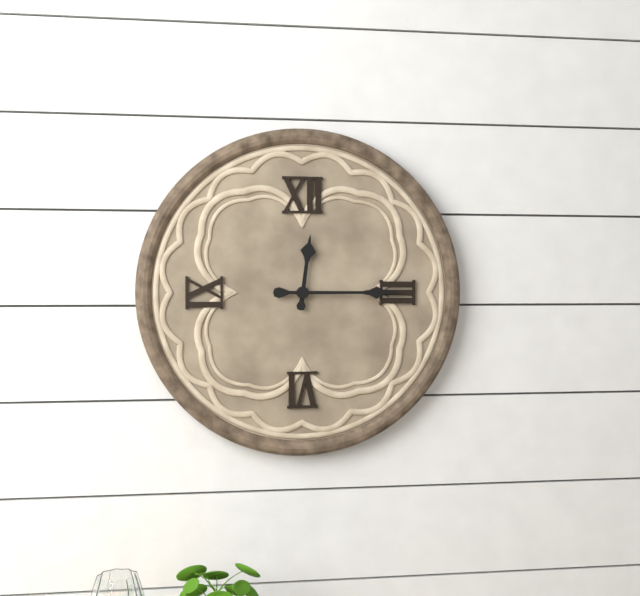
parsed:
12:15
